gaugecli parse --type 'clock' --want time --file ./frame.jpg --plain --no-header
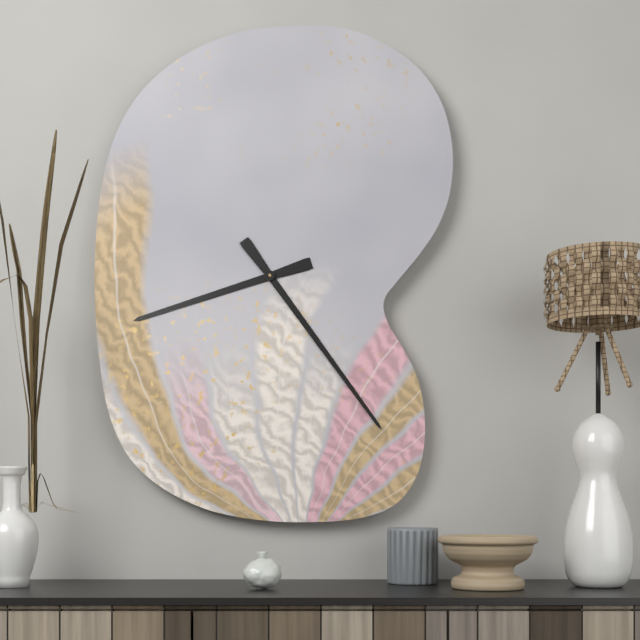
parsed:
8:24
